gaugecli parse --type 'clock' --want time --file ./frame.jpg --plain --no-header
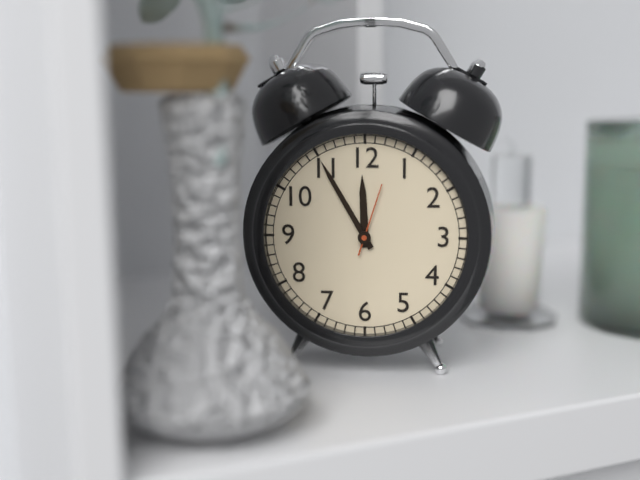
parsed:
11:55:03
